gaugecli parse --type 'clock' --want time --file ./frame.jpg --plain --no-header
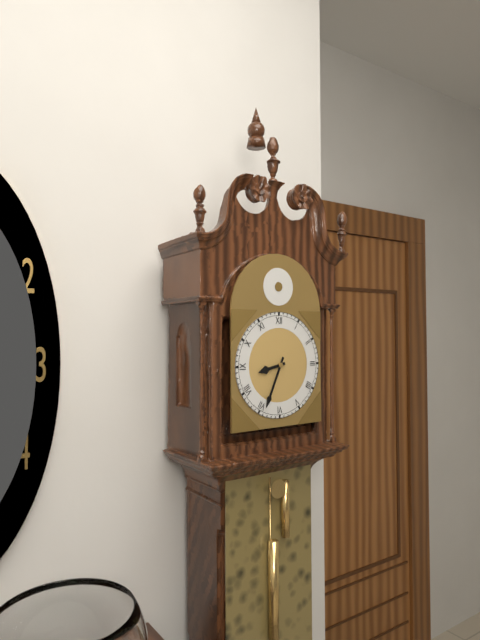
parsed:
8:34
